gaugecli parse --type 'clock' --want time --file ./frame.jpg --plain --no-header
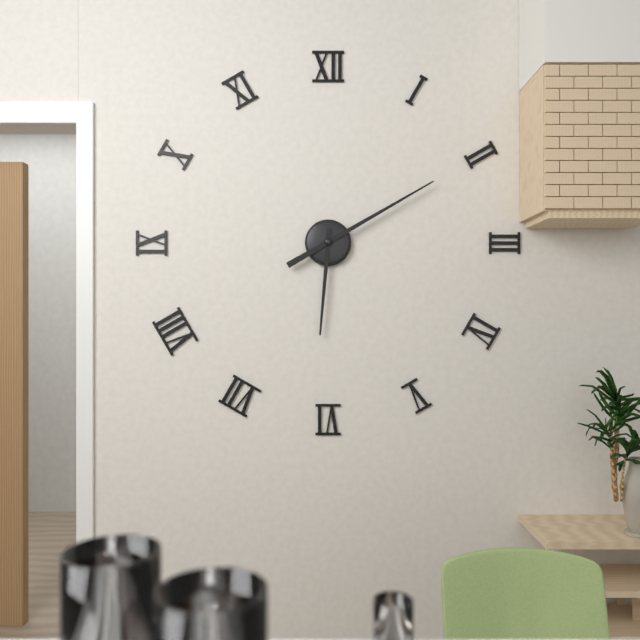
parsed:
6:10
